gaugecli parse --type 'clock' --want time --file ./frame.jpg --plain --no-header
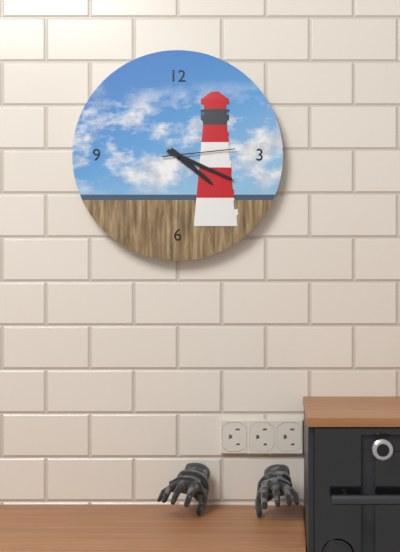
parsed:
4:19:14
